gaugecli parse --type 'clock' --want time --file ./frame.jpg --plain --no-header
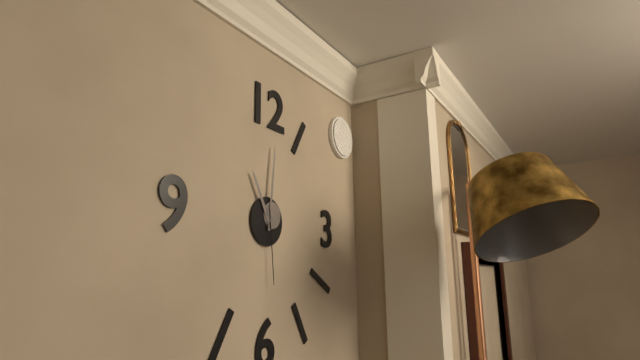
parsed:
11:01:29
